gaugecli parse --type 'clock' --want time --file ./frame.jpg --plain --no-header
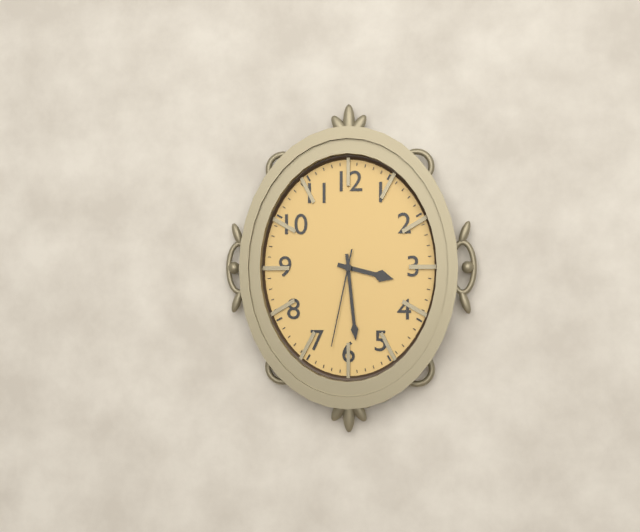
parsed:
3:29:32
